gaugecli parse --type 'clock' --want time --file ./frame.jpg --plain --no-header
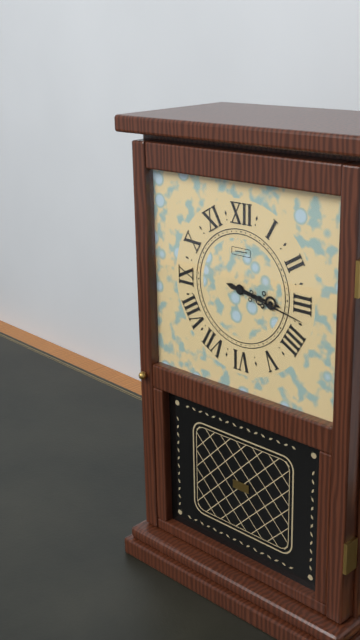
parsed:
3:17
